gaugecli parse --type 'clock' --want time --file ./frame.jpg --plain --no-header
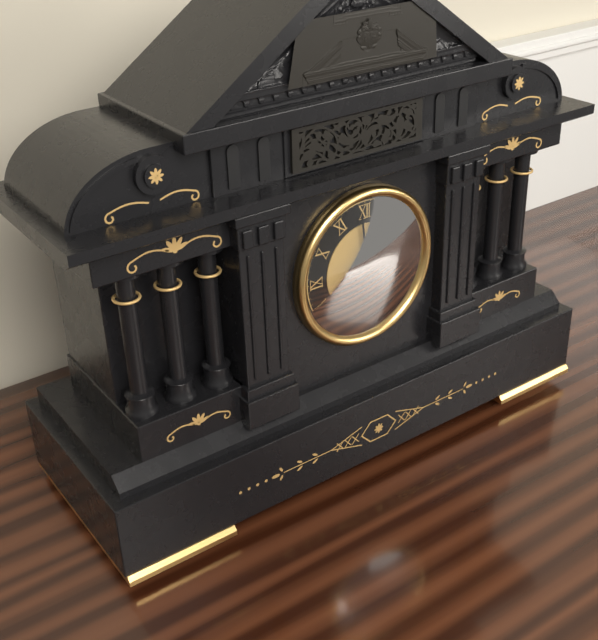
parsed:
7:59
